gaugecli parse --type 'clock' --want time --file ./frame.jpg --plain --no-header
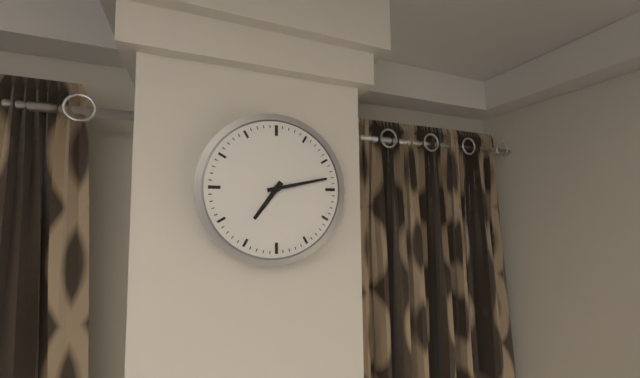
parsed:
7:13
